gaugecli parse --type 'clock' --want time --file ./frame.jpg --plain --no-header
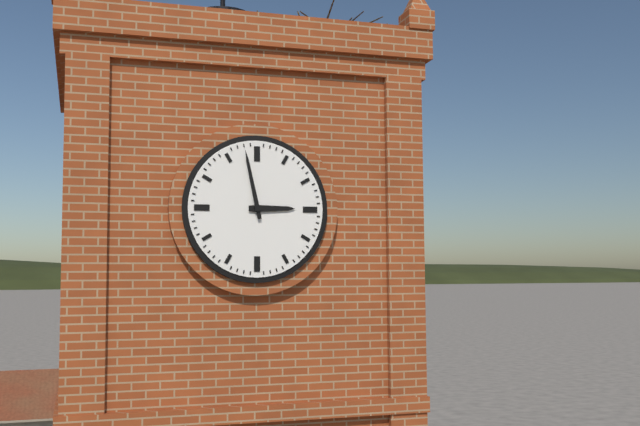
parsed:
2:58
